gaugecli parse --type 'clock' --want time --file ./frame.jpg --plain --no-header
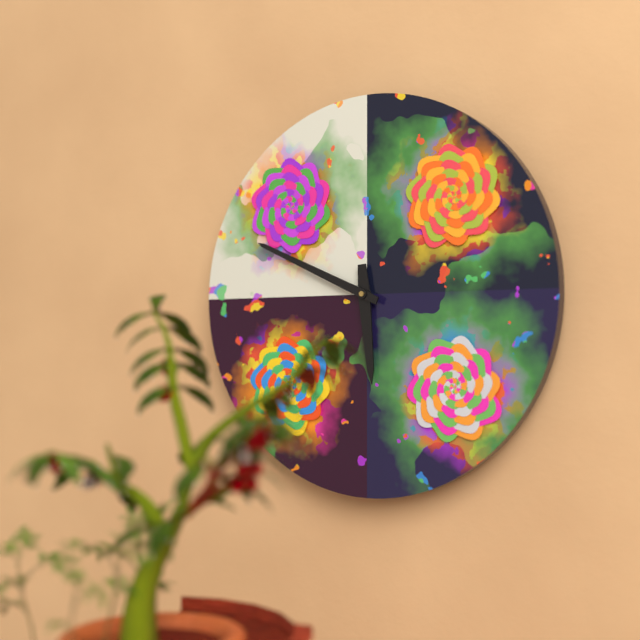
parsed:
5:49
